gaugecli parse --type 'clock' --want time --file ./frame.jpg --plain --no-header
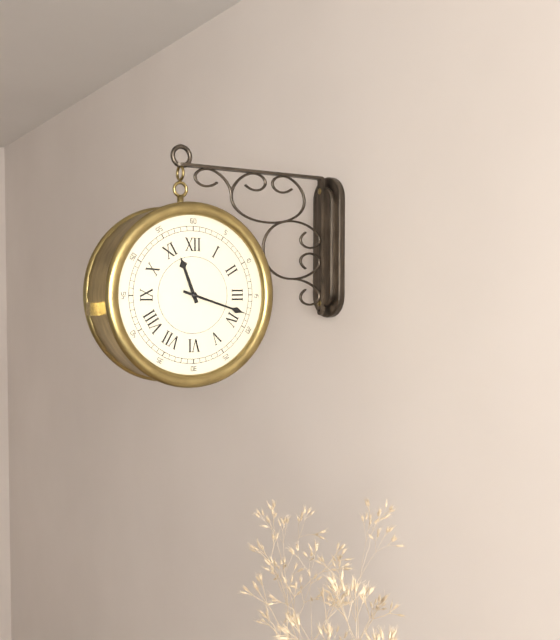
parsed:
11:18
